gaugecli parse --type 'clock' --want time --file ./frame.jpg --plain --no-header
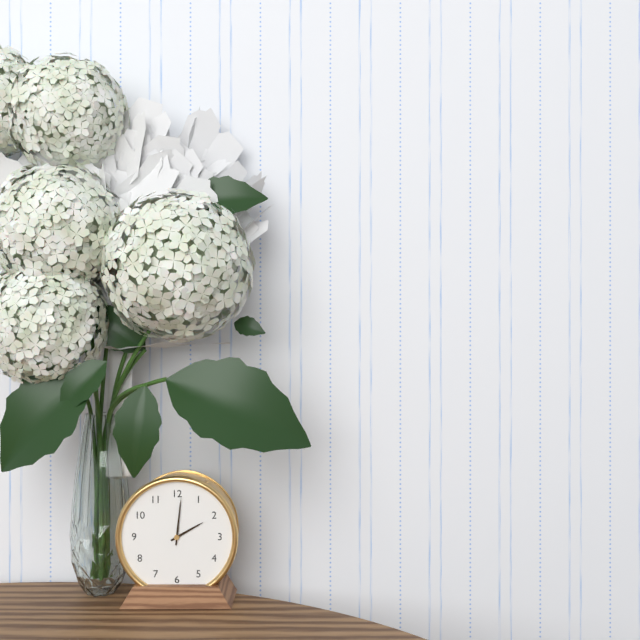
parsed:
2:01
